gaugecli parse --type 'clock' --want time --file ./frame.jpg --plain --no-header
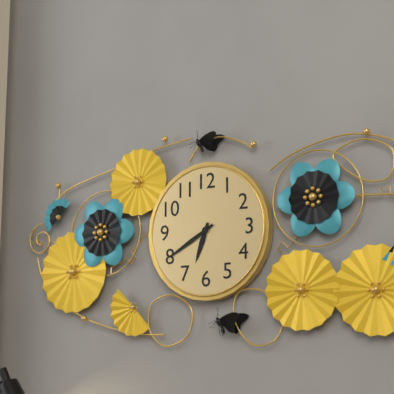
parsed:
6:40
